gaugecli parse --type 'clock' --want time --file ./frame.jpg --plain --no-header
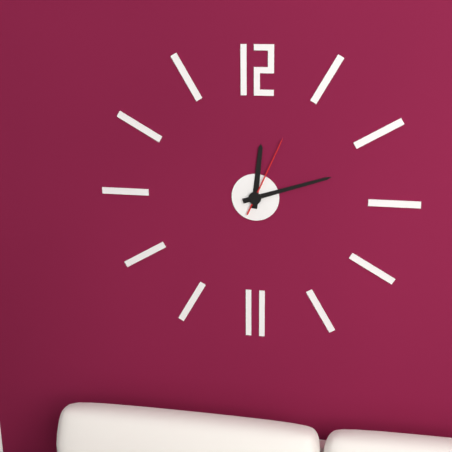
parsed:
12:12:04
